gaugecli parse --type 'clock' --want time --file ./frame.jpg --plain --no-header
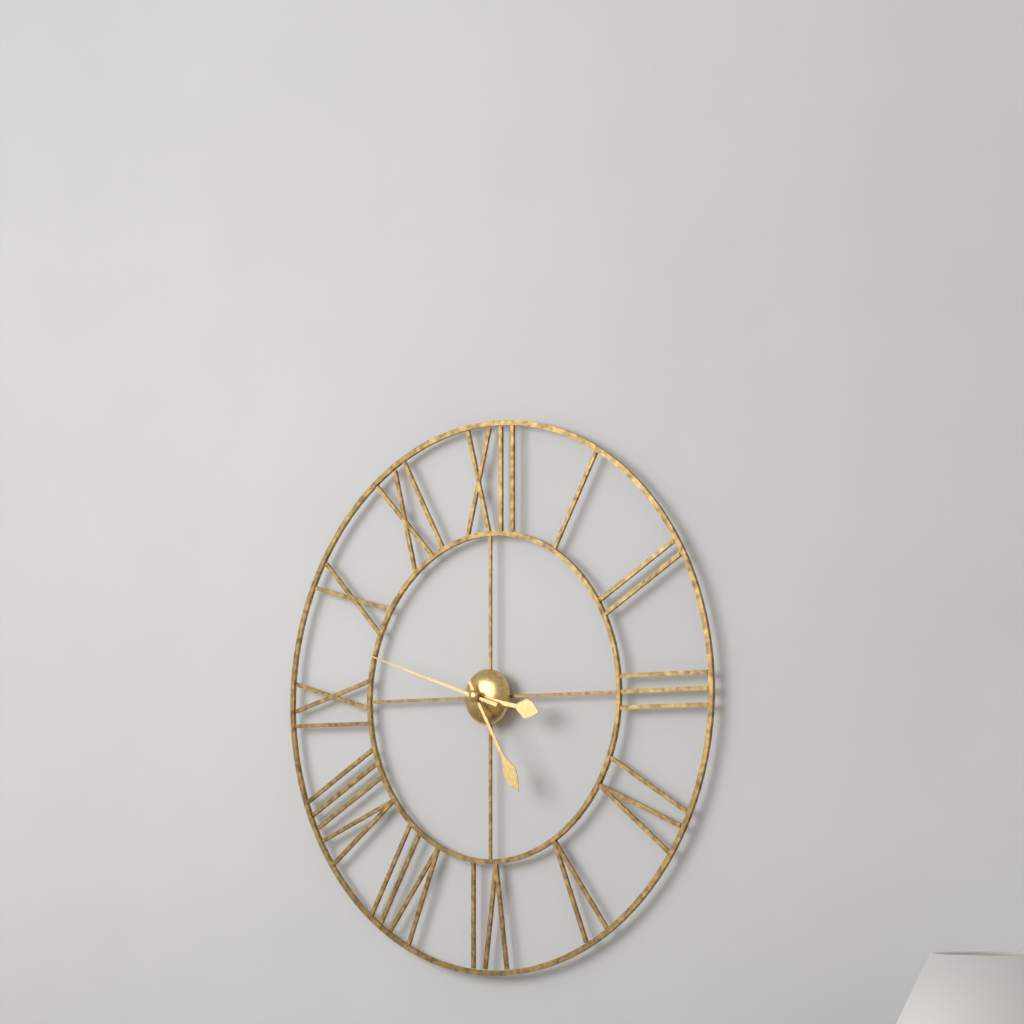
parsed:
3:25:48
